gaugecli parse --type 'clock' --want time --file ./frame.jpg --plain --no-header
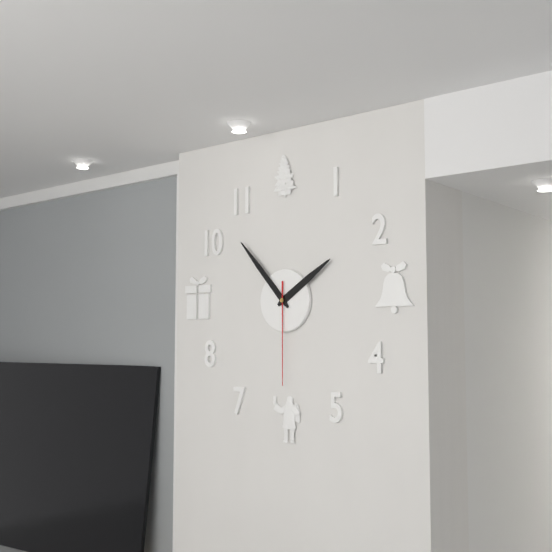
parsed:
1:53:30
